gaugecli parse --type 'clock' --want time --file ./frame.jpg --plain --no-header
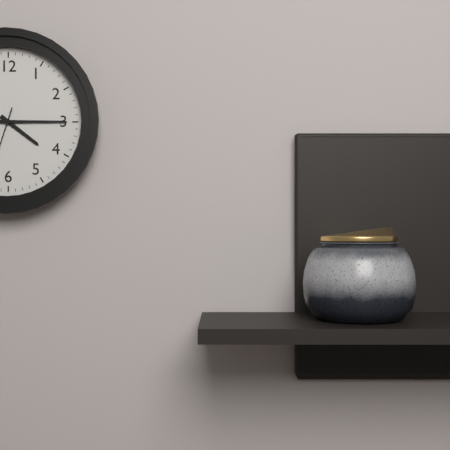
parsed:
4:15
